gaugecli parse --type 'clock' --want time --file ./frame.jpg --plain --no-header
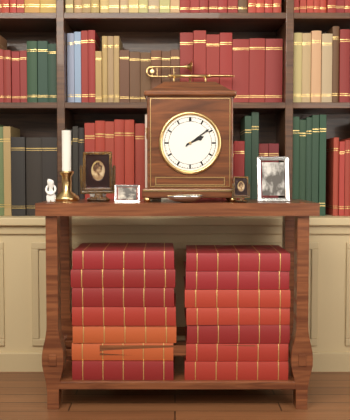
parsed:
2:09
